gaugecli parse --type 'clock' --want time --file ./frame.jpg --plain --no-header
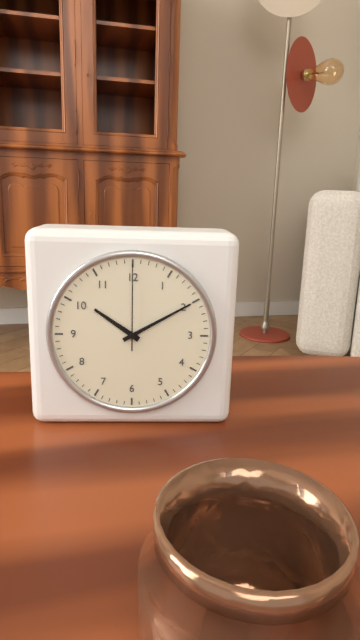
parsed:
10:10:00
